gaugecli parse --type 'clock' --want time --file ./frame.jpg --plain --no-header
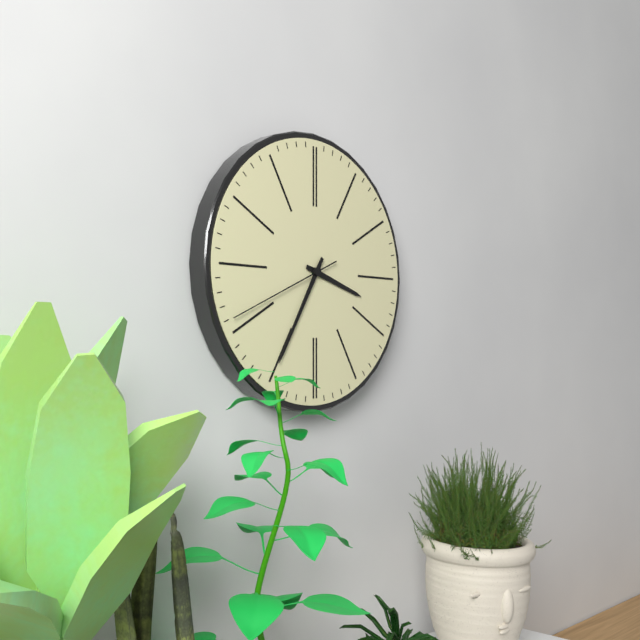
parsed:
3:35:41
